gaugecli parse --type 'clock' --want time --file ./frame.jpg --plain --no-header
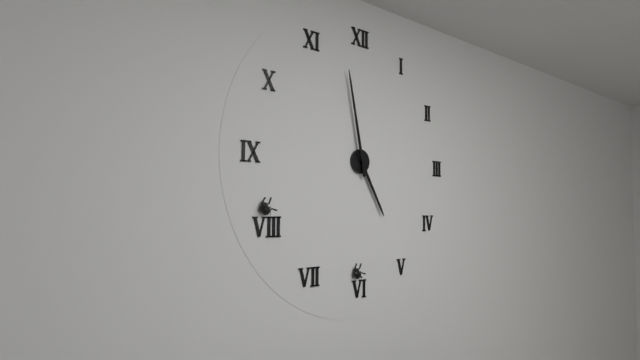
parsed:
4:58
